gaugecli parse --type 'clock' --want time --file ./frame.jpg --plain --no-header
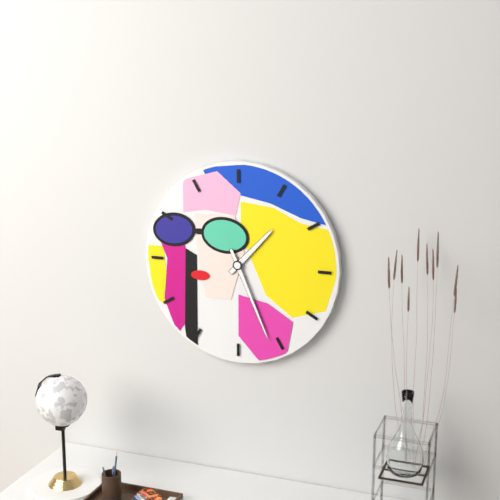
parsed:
1:26
